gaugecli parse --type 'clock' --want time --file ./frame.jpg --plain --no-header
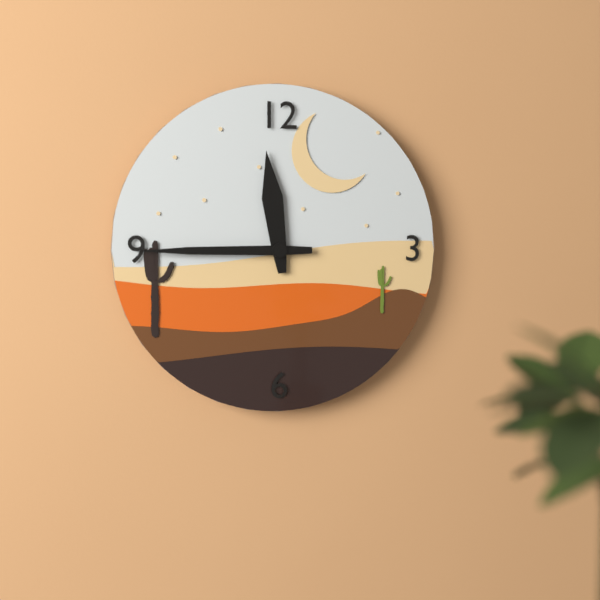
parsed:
11:45
